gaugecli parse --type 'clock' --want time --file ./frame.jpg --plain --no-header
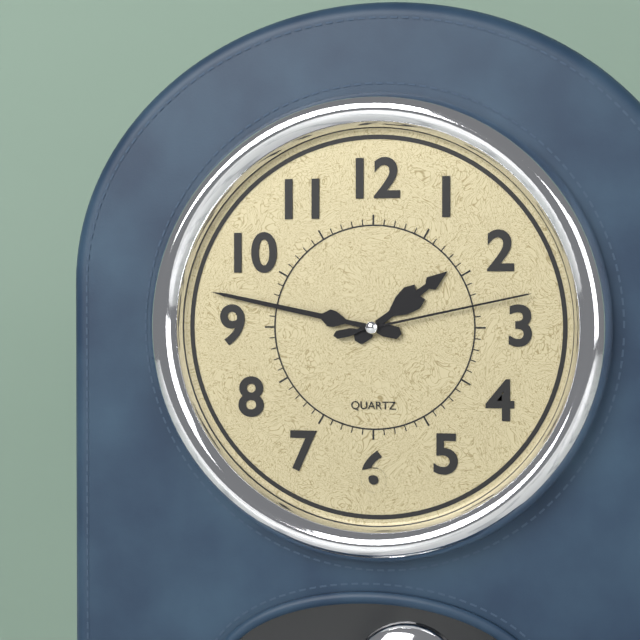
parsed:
1:47:13
